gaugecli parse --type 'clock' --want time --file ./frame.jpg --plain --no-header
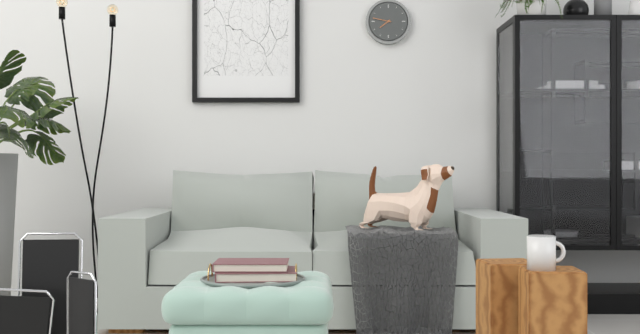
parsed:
7:47
